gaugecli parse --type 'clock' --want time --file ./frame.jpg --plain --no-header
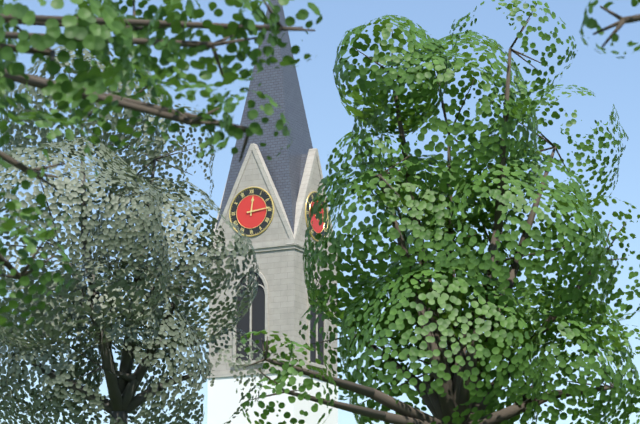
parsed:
12:14
